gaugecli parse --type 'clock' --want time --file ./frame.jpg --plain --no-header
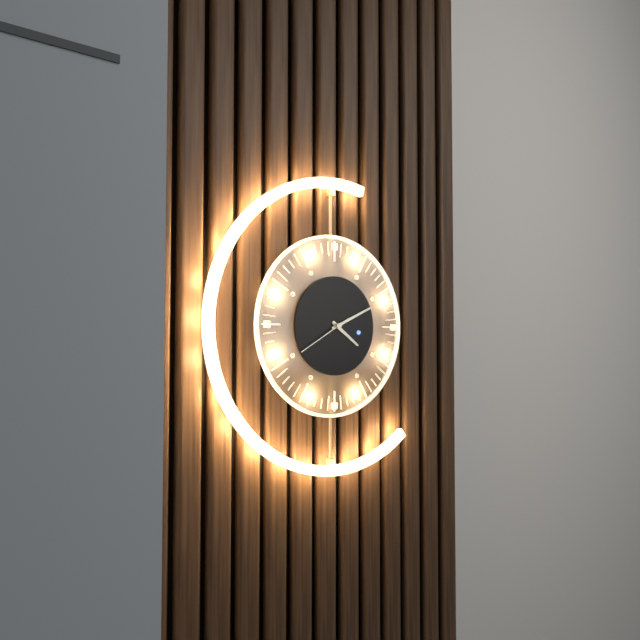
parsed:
4:11:40
